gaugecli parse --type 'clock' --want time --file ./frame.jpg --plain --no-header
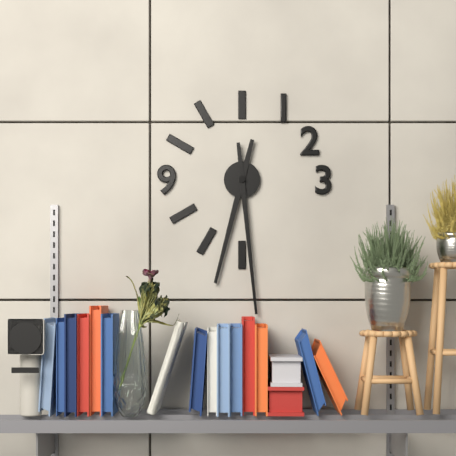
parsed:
6:29
